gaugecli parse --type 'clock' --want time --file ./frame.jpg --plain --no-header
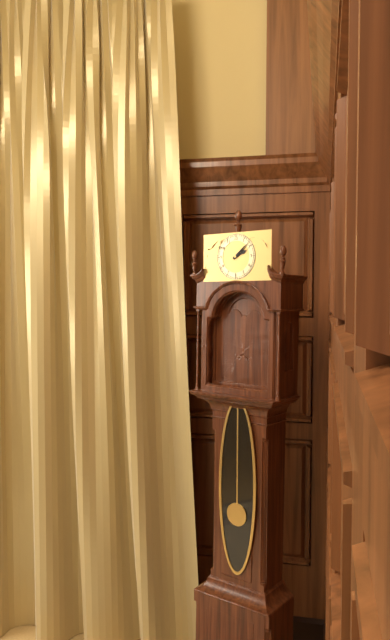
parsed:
2:08
